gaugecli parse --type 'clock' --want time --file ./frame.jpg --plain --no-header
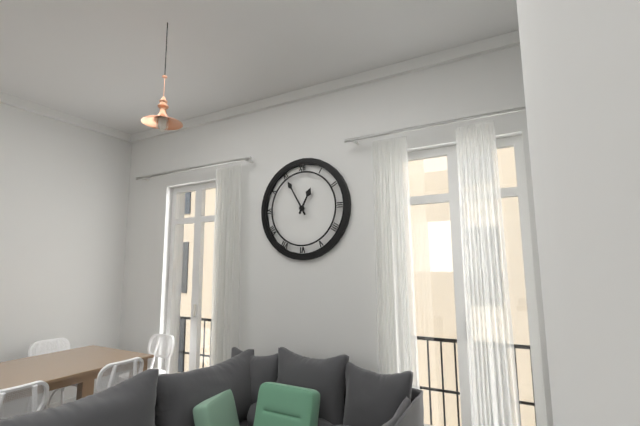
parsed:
12:55
